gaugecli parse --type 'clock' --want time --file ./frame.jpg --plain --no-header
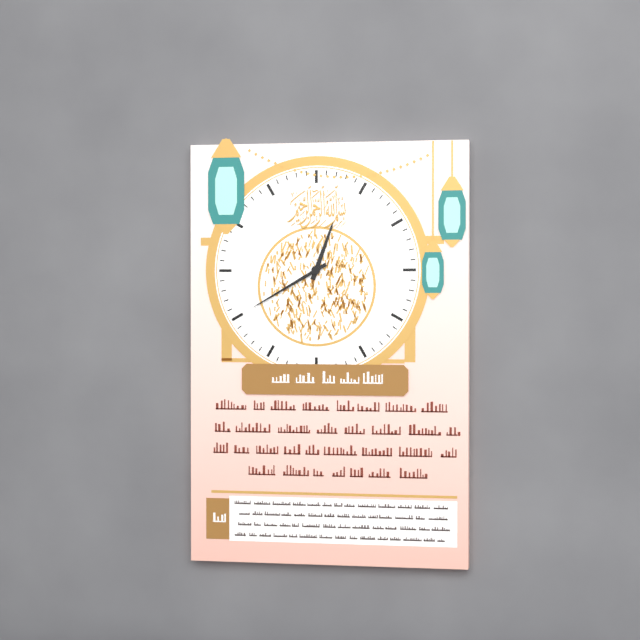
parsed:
12:40
